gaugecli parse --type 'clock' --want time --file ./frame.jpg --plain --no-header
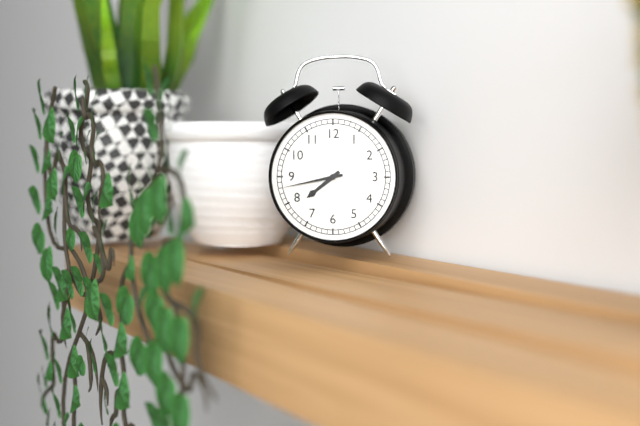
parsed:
7:43
